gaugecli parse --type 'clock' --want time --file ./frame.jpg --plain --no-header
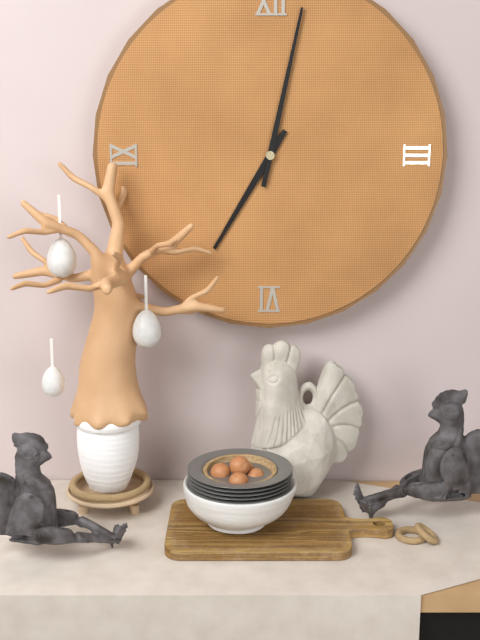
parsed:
7:02
